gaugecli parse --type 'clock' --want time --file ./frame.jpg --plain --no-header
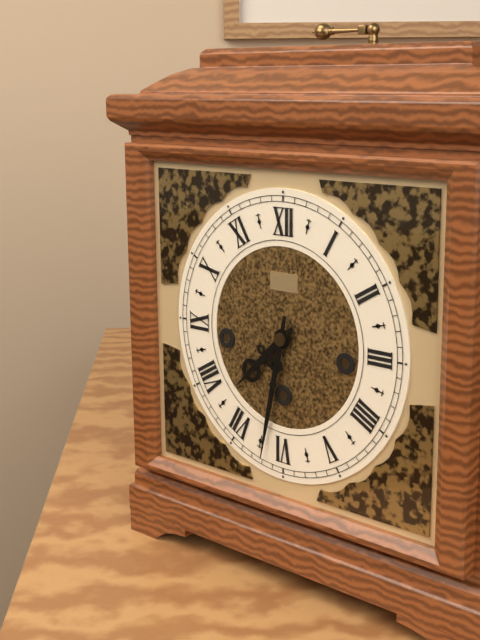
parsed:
7:32
